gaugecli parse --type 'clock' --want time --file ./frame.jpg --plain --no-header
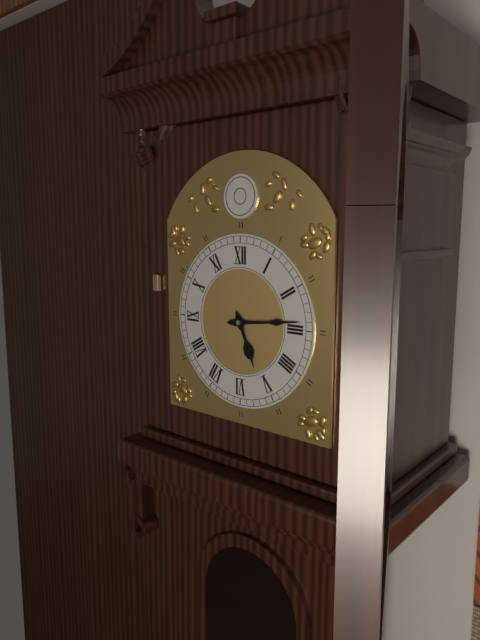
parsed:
5:14
